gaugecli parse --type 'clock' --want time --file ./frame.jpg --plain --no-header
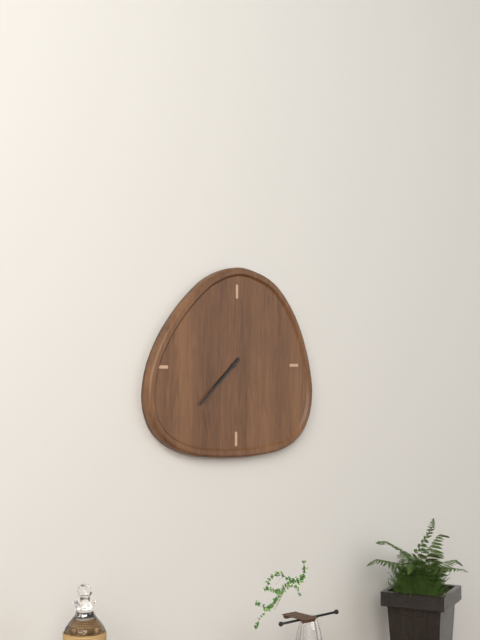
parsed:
7:38
